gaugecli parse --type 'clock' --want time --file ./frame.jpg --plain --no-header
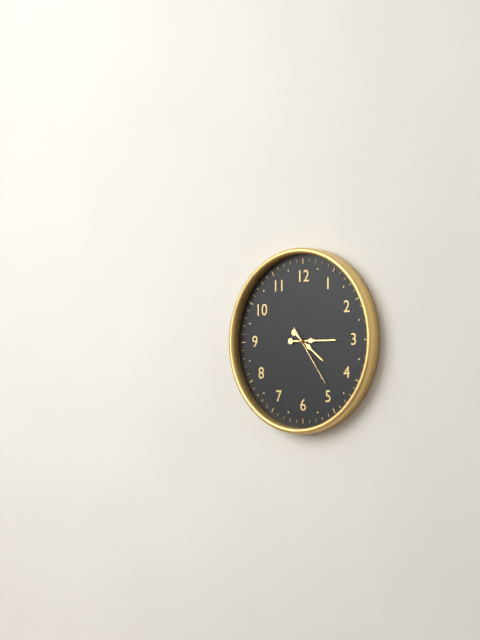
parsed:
4:15:24
